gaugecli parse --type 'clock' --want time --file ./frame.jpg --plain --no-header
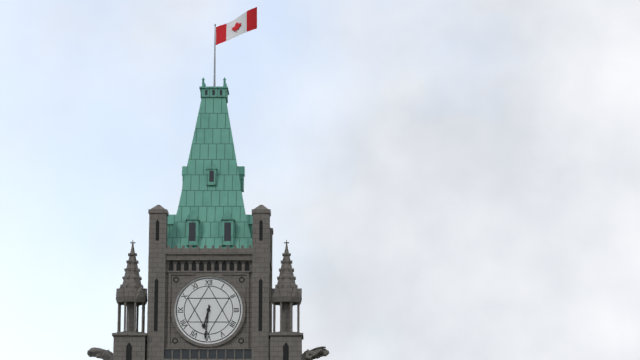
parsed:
6:31
